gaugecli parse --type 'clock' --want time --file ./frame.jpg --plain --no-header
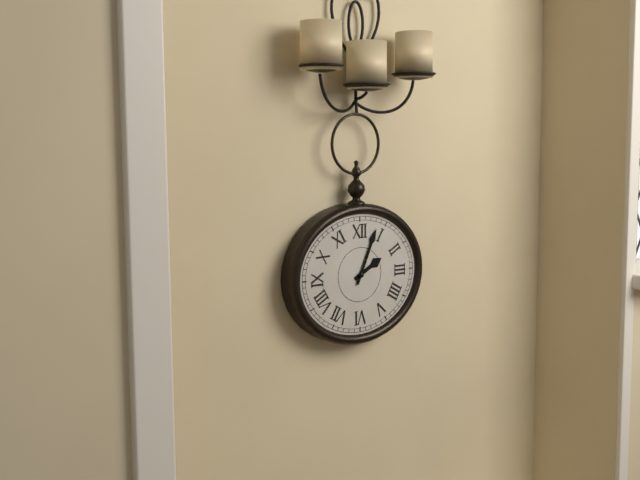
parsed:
2:04
